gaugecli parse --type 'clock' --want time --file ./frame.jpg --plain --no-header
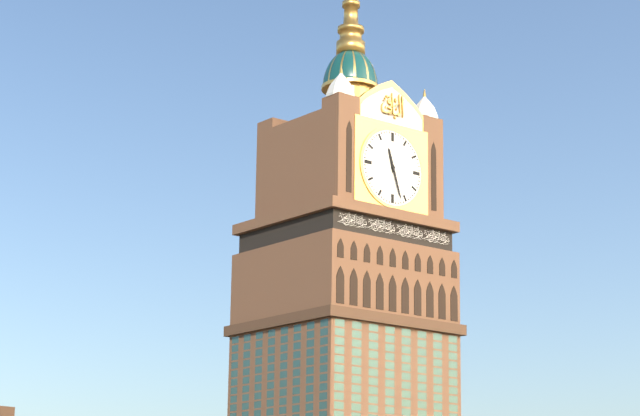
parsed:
11:27
